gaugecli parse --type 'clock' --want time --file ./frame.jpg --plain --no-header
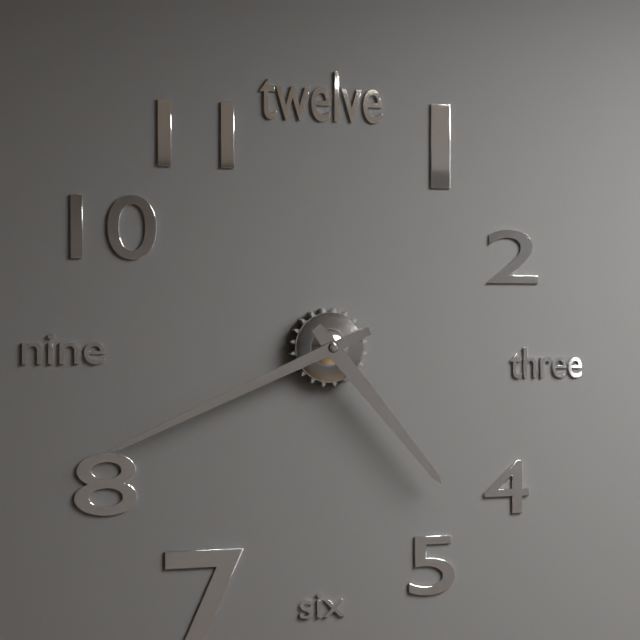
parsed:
4:41
